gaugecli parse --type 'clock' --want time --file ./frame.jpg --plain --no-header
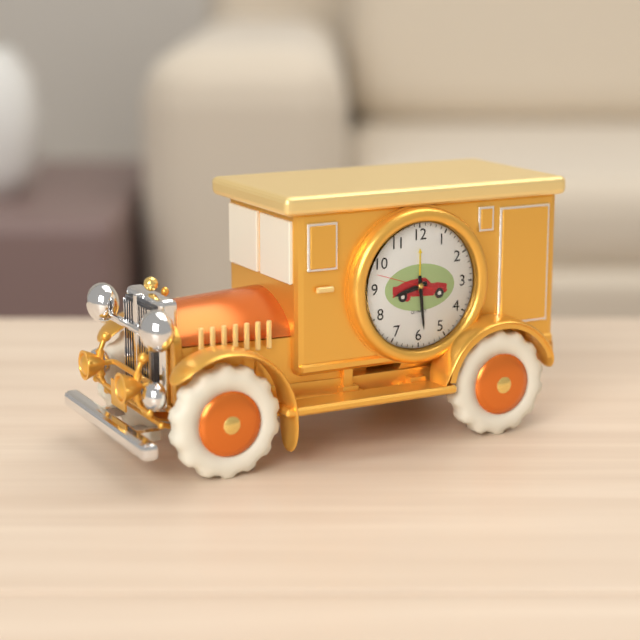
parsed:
8:29:48
